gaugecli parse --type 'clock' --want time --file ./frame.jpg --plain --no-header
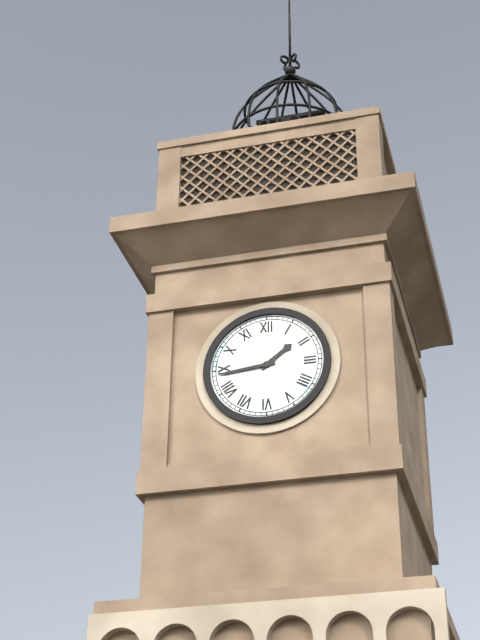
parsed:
1:44
